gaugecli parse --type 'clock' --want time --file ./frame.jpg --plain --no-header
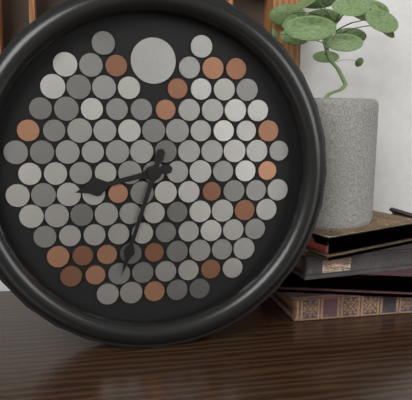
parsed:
8:33
